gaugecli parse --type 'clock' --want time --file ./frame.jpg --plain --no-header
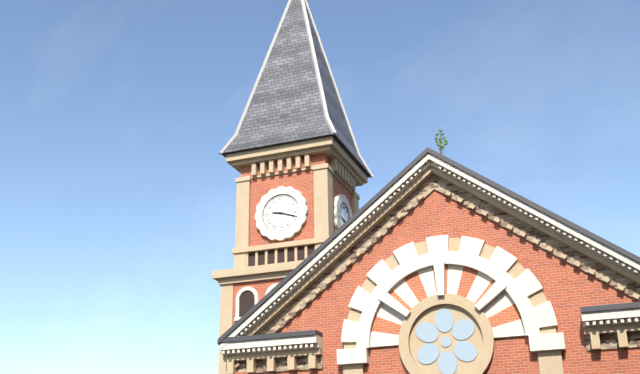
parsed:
9:18
